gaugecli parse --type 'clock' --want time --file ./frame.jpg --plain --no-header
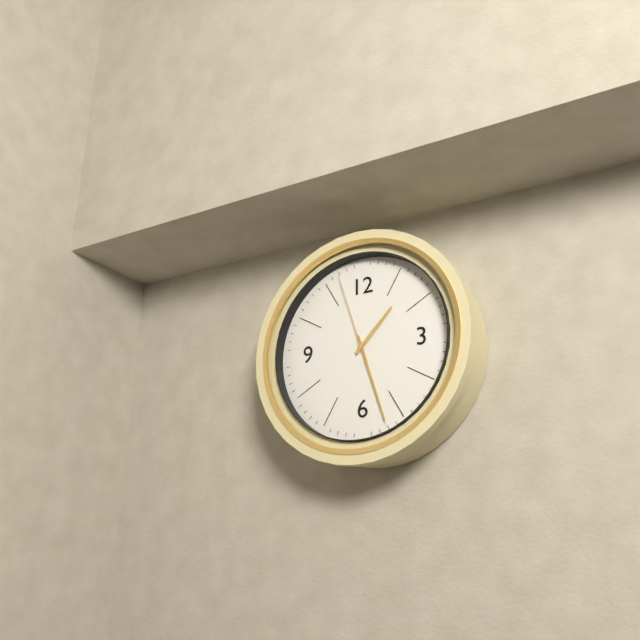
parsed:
1:27:57
